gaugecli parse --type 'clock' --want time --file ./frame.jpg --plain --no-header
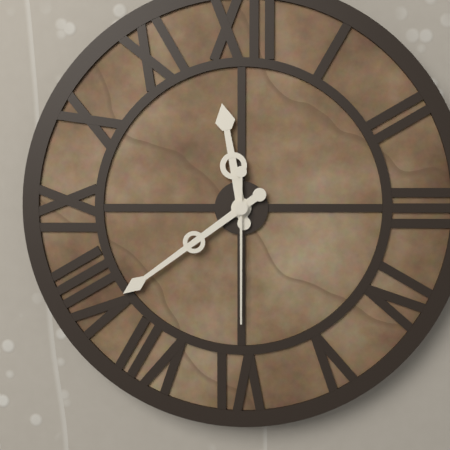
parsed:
11:39:30
